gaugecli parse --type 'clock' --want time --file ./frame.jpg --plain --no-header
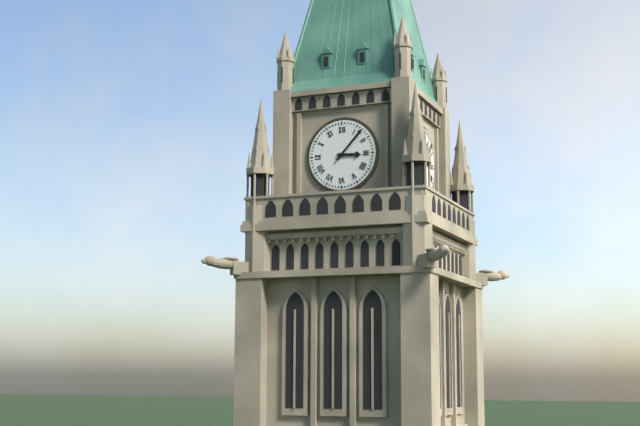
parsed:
3:07
